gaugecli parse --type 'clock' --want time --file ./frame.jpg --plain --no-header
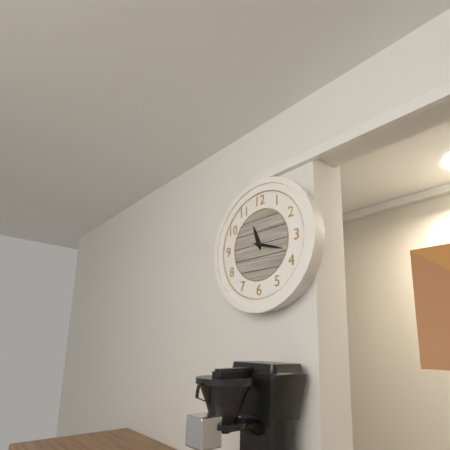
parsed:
11:18
